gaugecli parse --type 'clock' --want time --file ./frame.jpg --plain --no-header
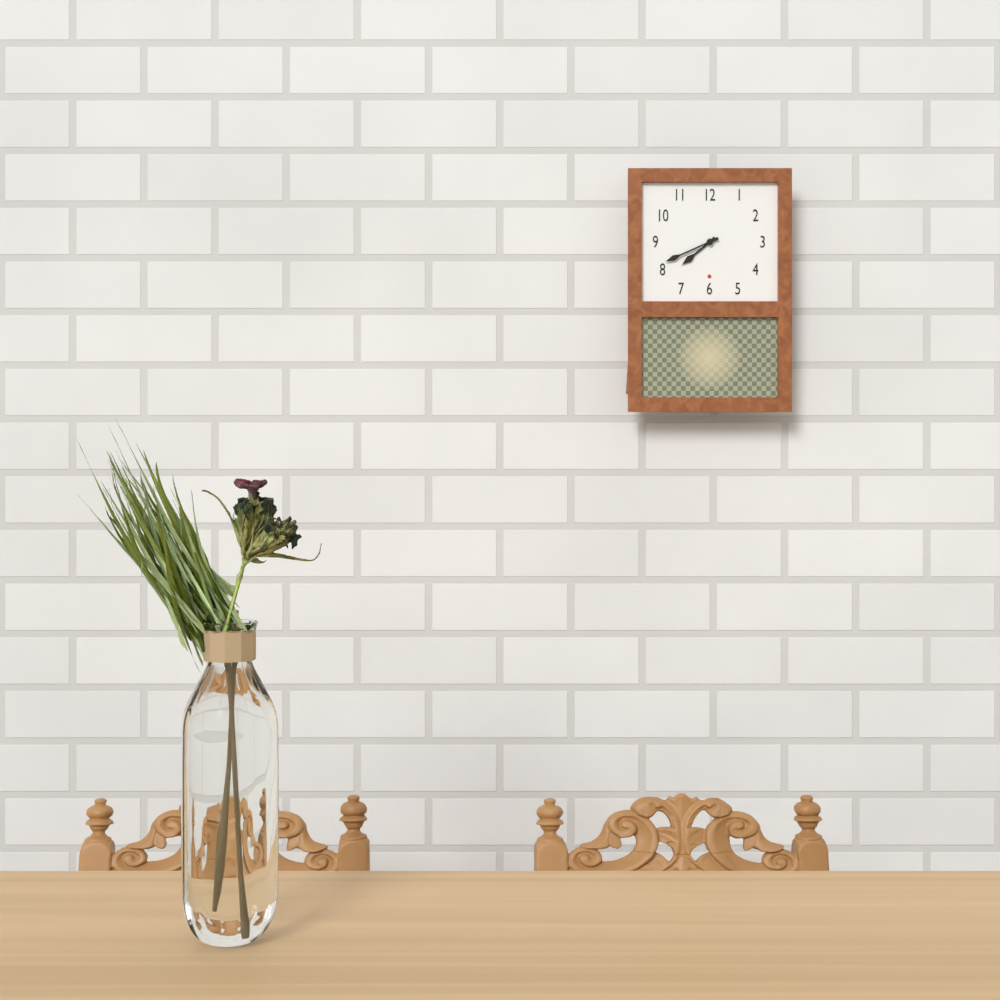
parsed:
7:41
